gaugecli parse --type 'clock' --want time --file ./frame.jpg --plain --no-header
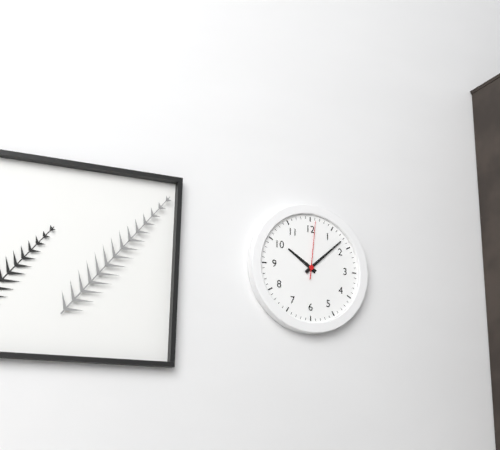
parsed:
10:08:01
